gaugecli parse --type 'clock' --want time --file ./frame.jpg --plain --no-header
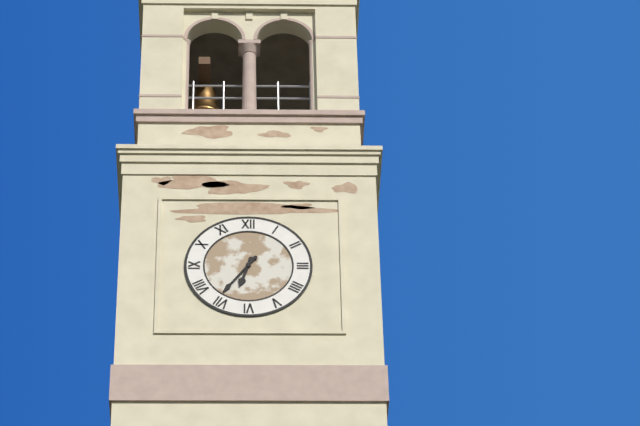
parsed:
6:36
